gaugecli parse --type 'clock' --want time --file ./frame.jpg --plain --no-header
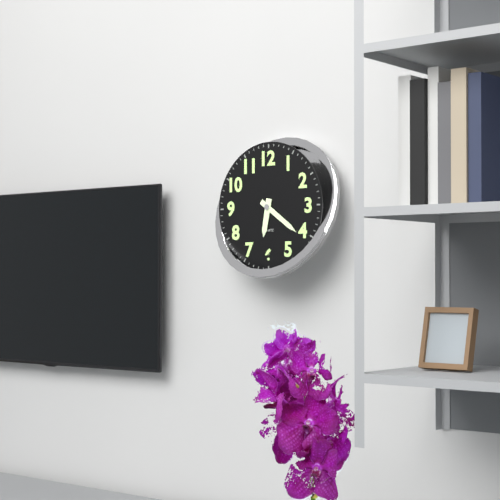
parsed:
6:21
